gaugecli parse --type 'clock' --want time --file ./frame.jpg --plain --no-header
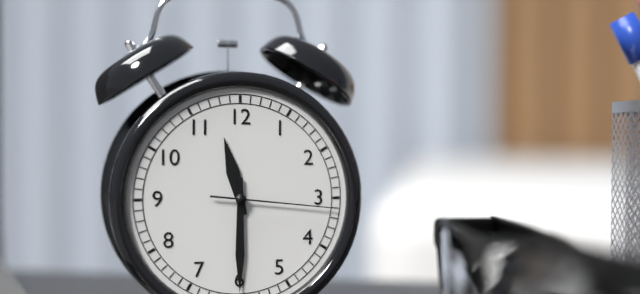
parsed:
11:30:16
